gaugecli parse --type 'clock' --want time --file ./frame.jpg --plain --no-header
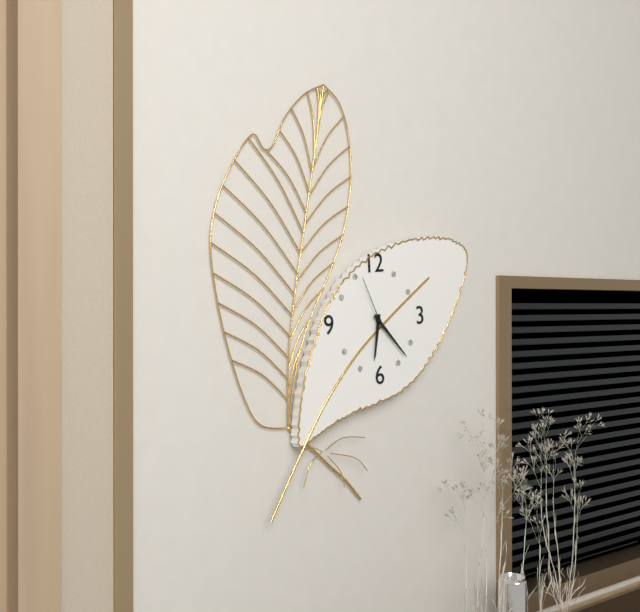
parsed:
6:23:56
